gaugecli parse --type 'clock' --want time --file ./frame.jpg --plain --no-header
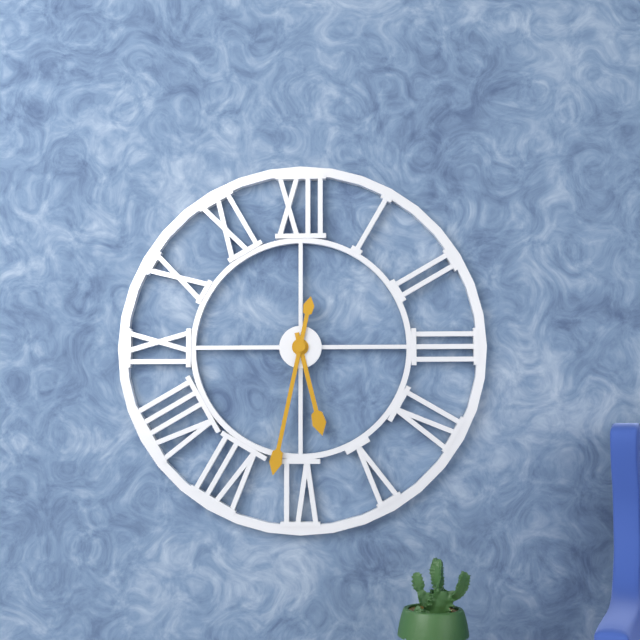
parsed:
5:32
